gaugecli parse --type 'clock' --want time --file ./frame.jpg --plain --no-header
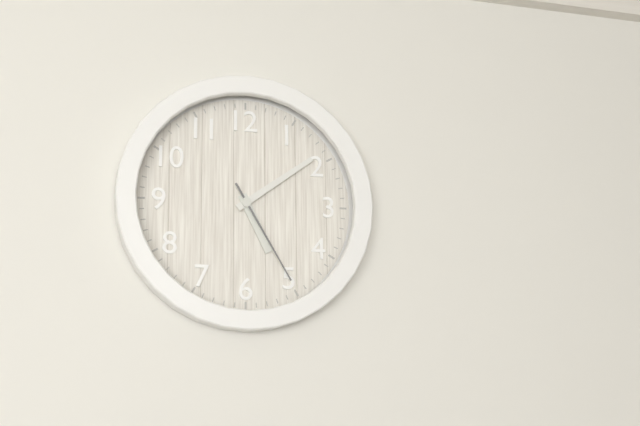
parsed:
5:09:25
